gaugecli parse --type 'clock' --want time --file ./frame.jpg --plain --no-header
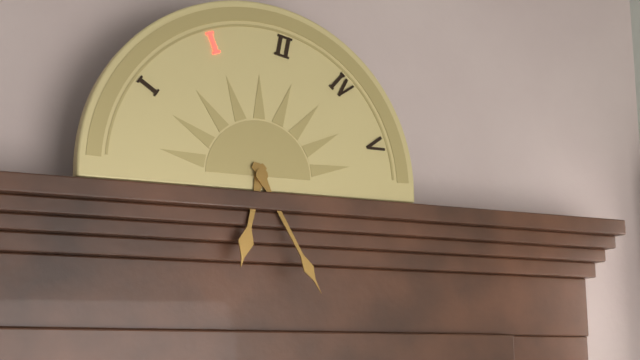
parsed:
6:25
